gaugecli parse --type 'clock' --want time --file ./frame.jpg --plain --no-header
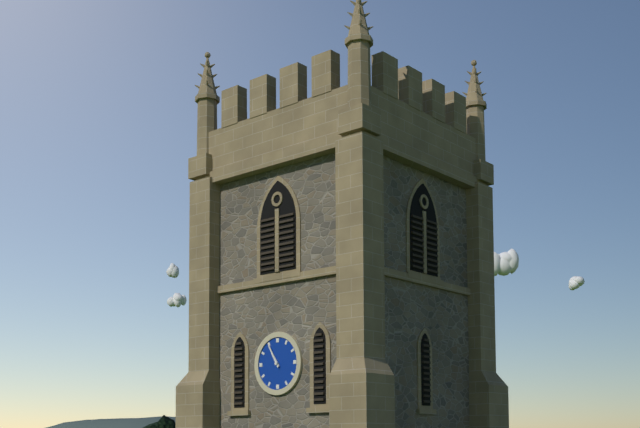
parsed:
10:55
